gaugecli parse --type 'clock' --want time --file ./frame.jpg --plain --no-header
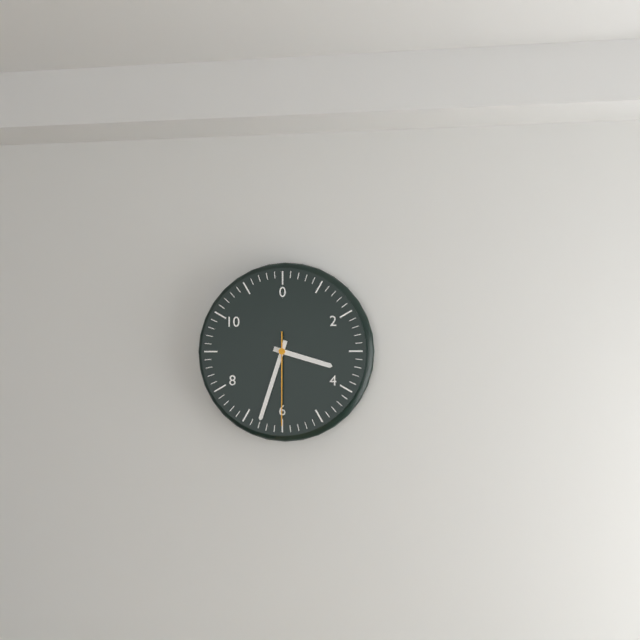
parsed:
3:33:30
